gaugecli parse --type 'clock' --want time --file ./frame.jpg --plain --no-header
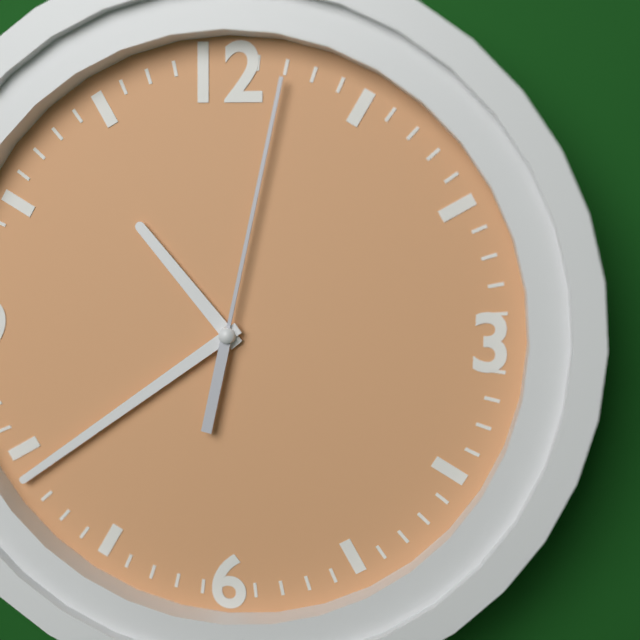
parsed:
10:39:02
